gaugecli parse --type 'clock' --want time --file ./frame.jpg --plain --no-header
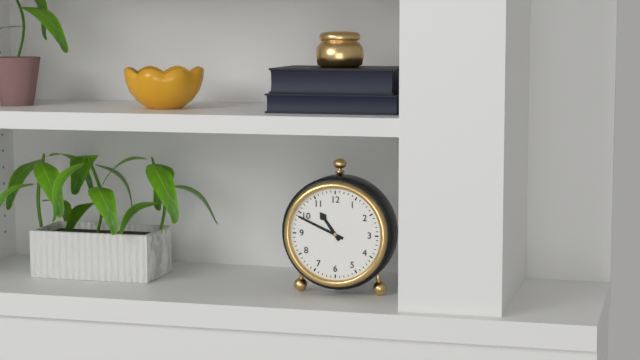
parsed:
10:49
